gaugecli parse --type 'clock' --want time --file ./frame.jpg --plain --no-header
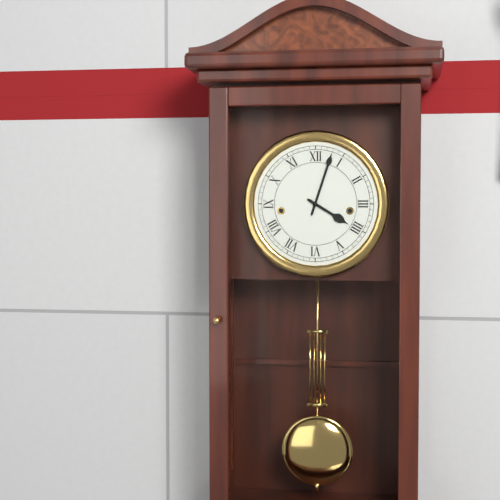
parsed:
4:03
